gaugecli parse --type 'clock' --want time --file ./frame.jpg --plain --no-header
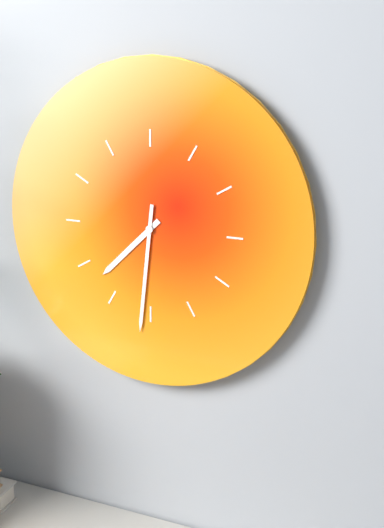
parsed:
7:31
